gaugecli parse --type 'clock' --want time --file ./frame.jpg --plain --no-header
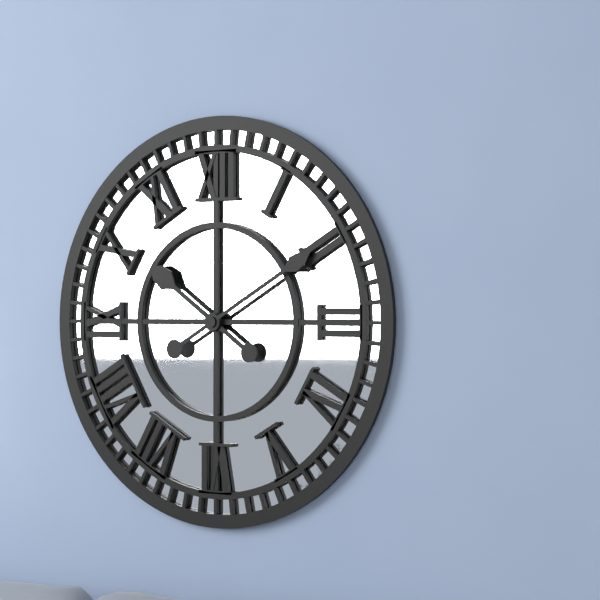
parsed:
10:10
